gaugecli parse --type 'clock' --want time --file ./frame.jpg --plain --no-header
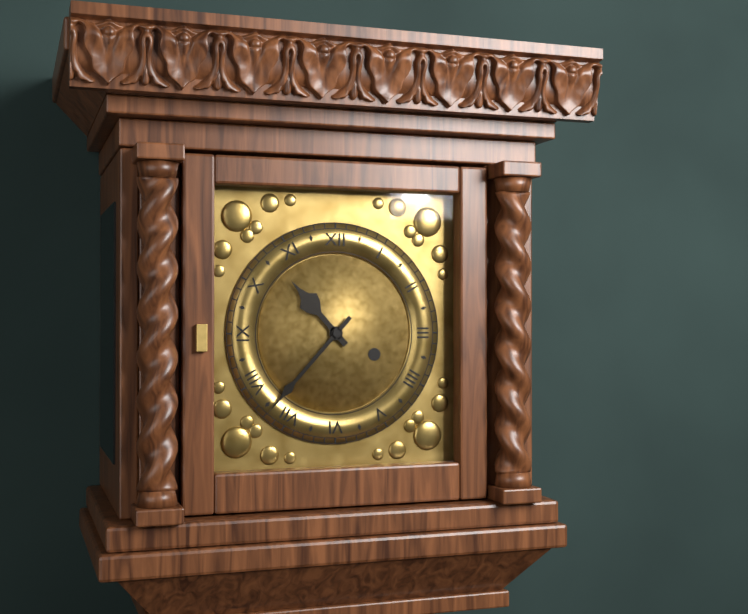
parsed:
10:37
